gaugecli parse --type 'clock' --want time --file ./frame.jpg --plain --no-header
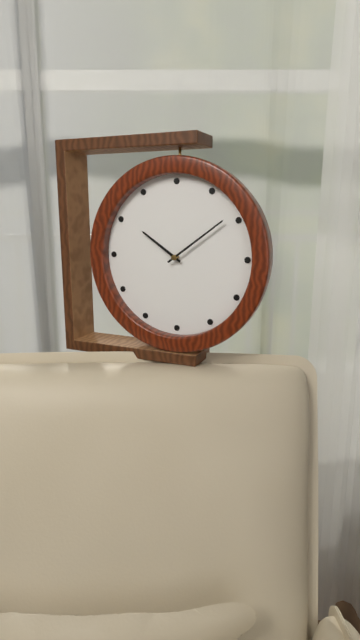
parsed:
10:09
